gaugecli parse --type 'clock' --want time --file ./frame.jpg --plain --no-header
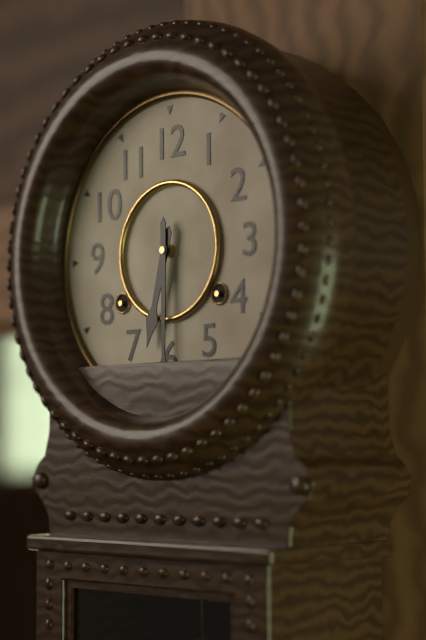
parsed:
6:30
